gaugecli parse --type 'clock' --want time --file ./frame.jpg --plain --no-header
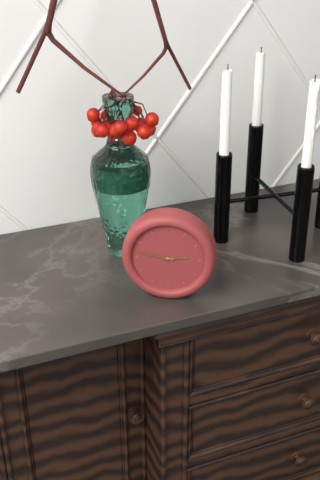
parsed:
2:47
